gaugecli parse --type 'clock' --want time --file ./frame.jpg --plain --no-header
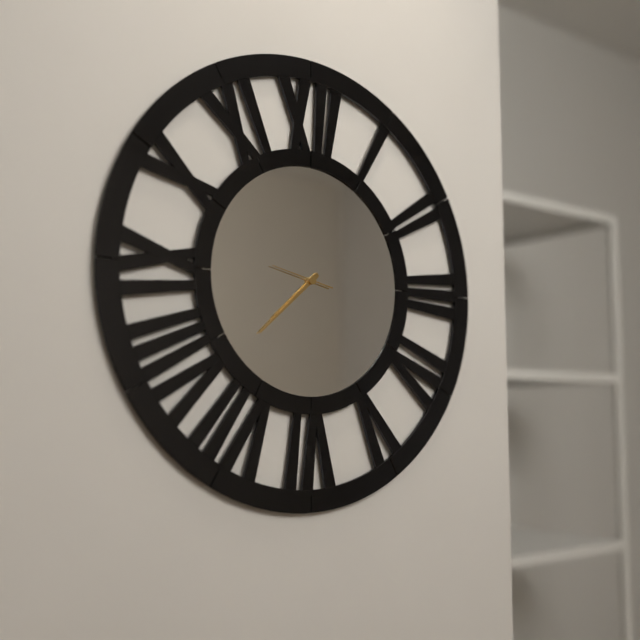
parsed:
7:38
